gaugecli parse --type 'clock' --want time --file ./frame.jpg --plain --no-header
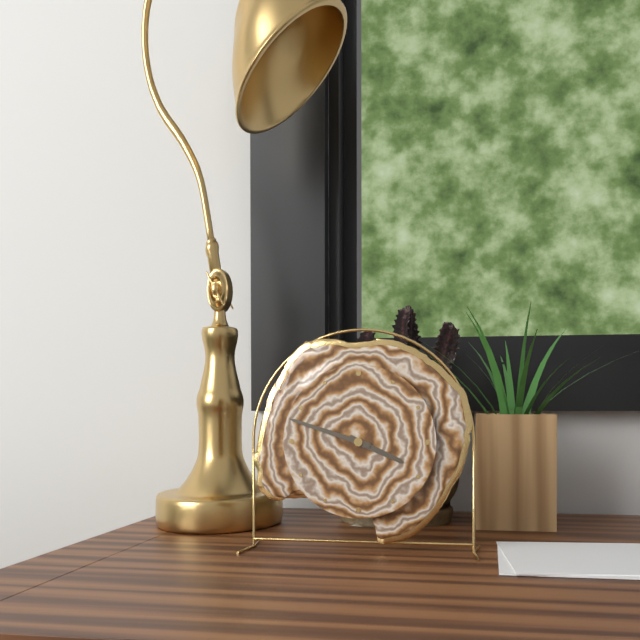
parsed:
3:48
